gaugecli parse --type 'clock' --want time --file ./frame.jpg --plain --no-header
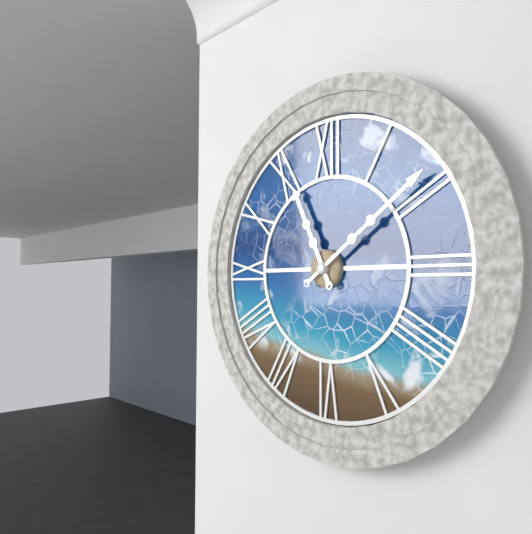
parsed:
11:09
